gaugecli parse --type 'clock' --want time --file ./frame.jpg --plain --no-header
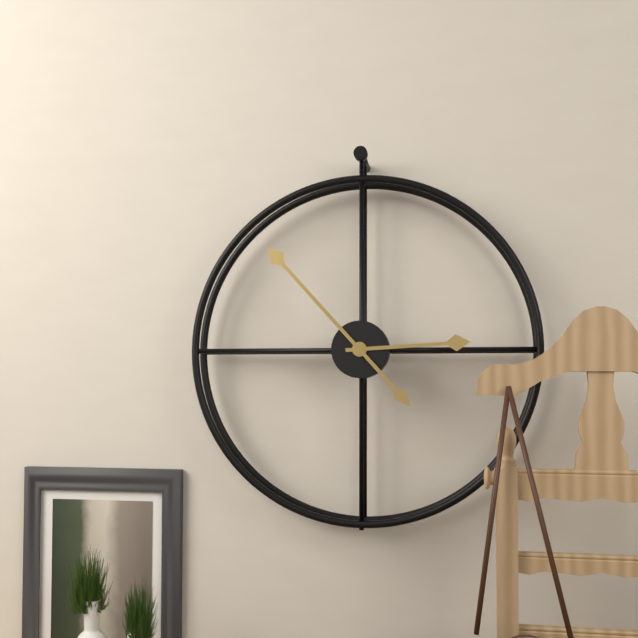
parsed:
2:53
